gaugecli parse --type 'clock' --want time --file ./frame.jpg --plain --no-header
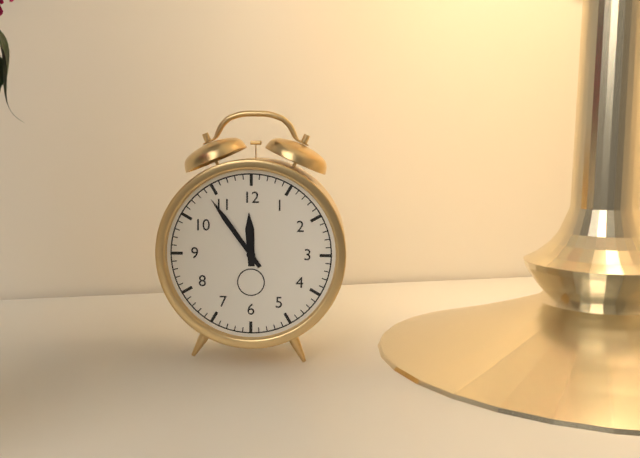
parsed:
11:54
